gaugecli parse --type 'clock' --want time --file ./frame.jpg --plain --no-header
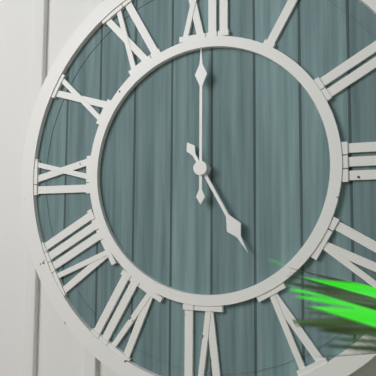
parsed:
5:00
